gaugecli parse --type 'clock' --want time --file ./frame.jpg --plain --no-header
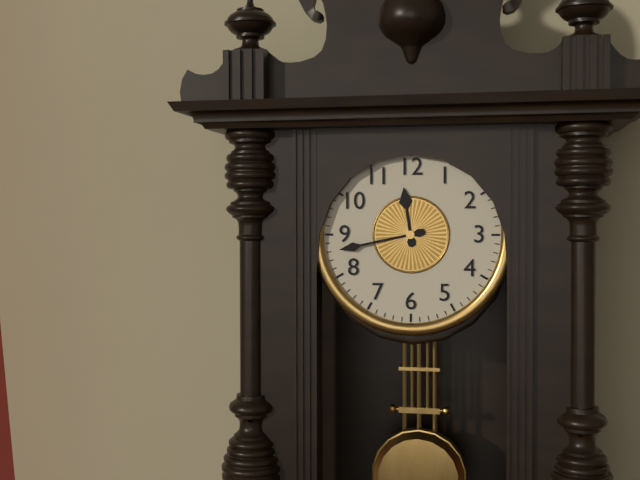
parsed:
11:43
